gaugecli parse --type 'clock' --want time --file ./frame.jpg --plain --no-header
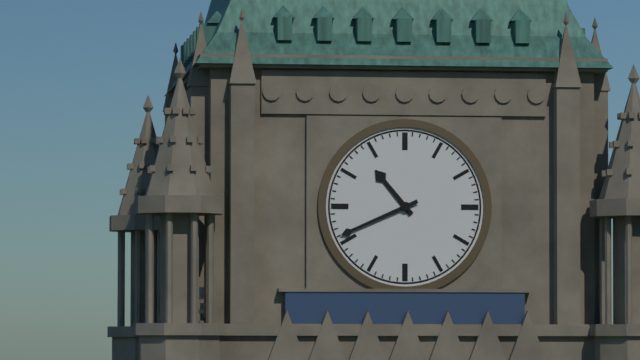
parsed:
10:41
